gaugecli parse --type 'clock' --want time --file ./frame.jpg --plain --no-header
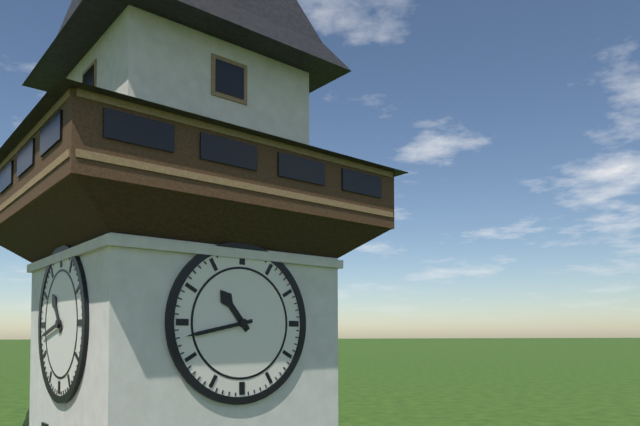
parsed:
10:43
